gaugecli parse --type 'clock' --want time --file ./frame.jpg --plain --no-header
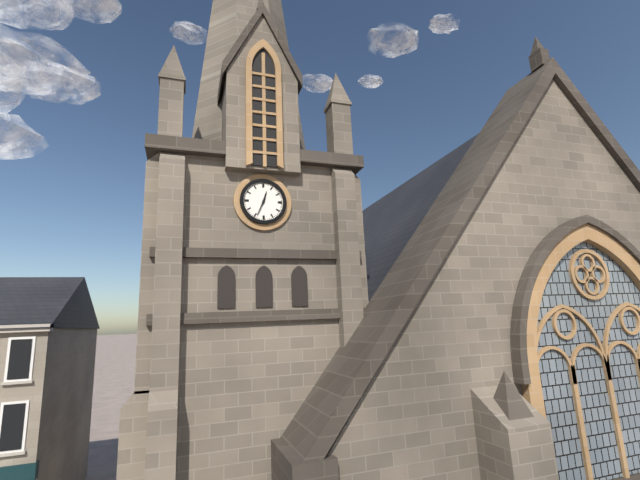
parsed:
12:34
